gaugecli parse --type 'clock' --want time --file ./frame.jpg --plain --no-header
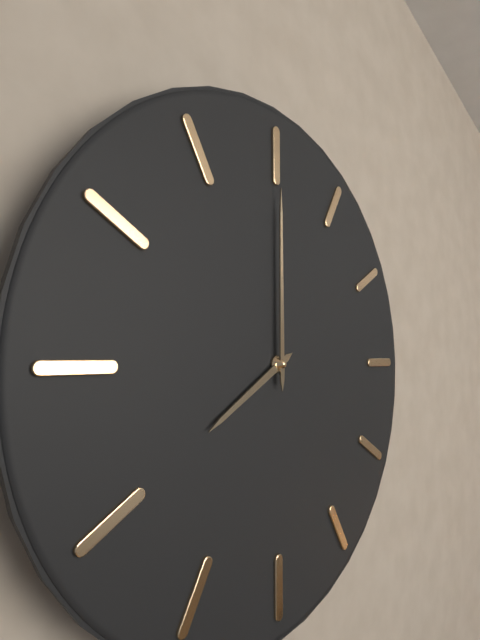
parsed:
8:00
